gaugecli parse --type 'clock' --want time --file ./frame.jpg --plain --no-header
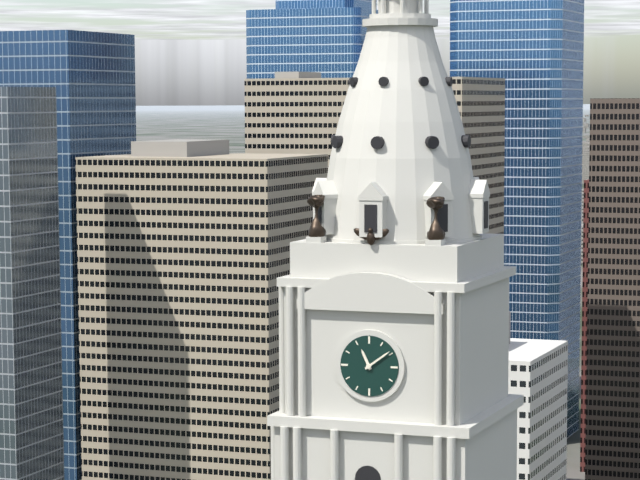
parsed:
11:09
